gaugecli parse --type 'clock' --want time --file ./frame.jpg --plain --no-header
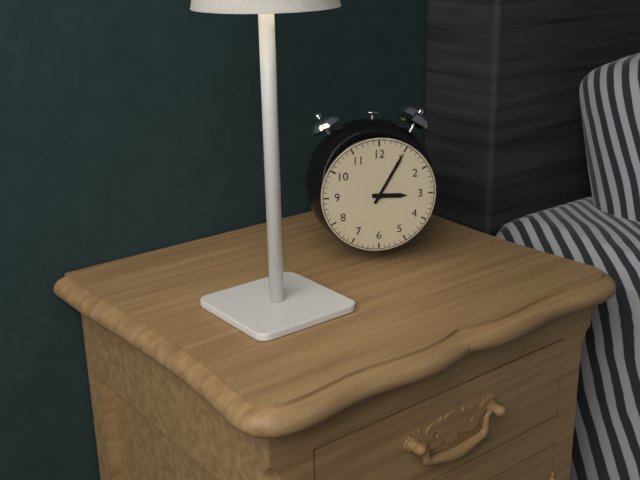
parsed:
3:05
